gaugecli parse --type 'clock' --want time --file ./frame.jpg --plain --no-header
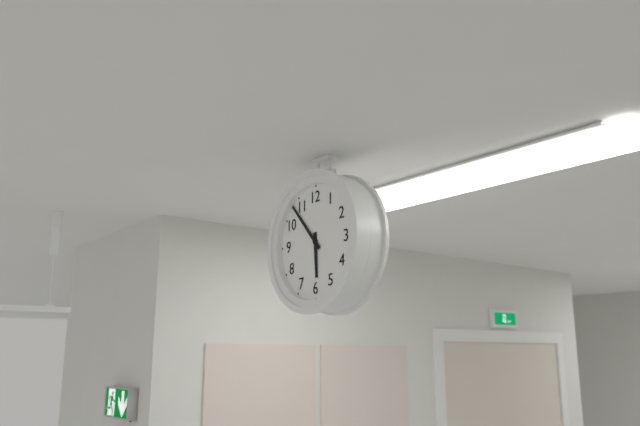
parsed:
5:53
